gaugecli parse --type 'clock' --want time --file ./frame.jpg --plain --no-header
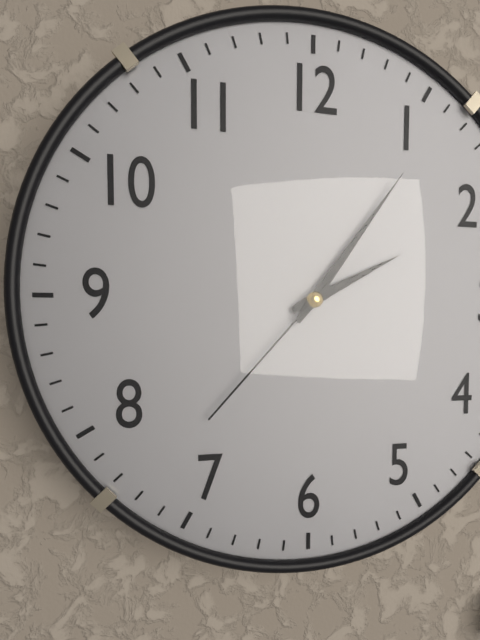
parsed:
2:06:37
